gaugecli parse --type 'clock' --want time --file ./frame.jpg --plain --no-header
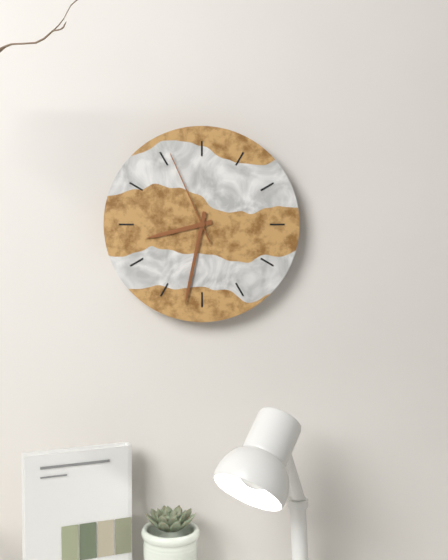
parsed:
8:32:56
